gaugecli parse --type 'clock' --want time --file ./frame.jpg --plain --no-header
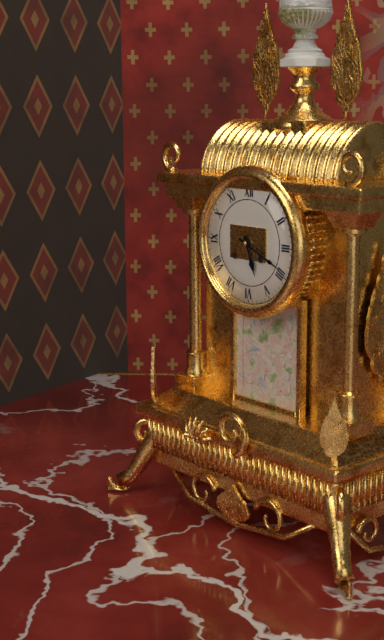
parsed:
5:19
